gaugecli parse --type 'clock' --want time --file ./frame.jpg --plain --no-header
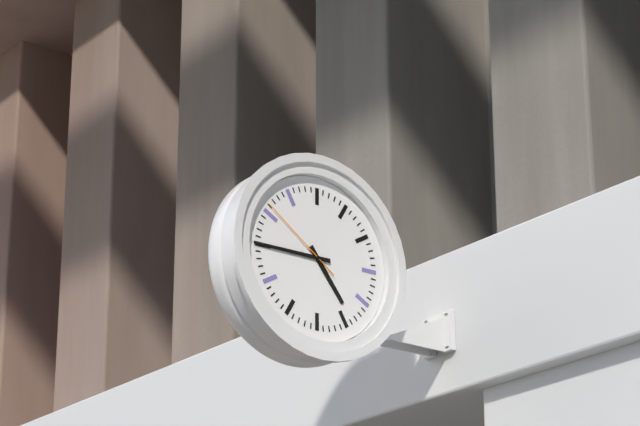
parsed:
4:45:51
